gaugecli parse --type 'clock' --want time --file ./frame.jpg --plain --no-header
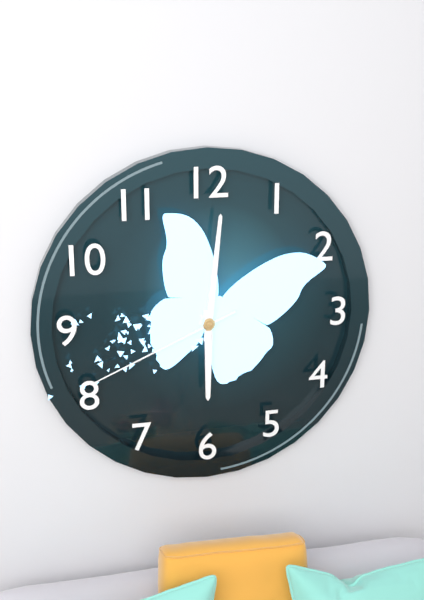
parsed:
6:01:41
